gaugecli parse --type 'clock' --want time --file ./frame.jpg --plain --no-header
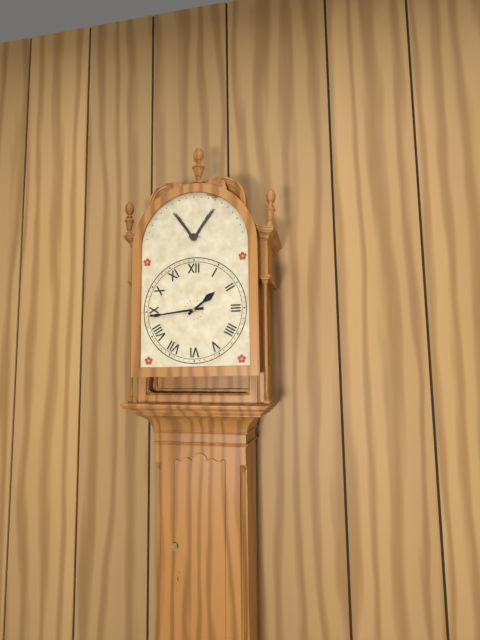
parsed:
1:44
